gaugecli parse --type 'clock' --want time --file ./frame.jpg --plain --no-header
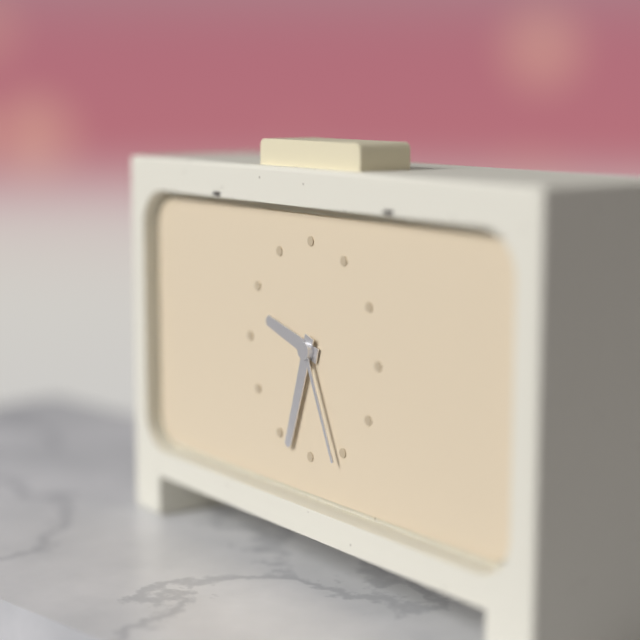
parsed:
9:33:26
